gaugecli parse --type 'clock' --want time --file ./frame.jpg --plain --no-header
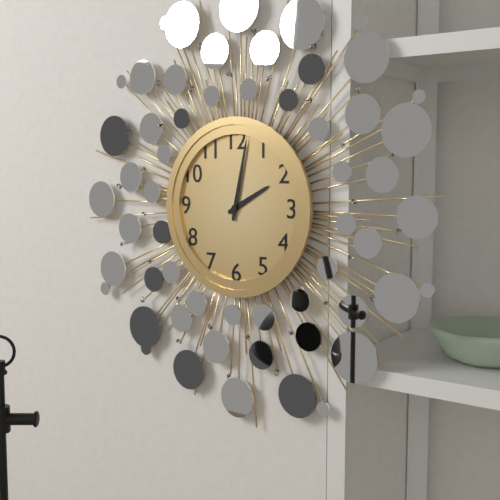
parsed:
2:02
